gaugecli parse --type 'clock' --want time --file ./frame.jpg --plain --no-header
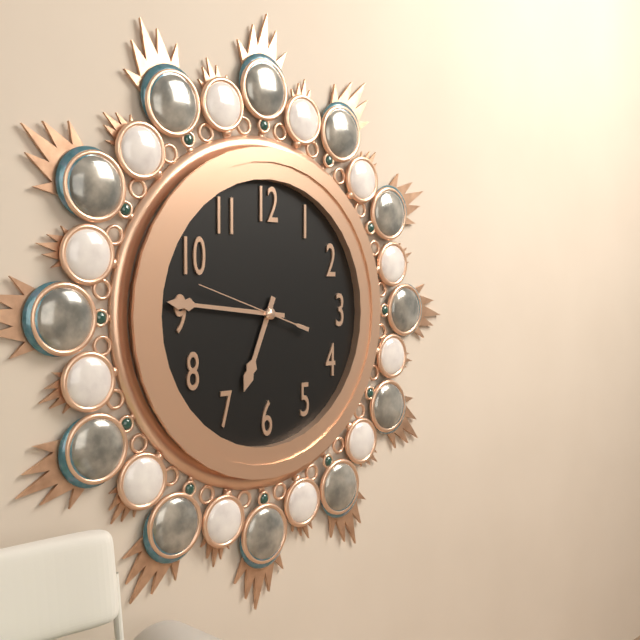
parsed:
6:46:48
